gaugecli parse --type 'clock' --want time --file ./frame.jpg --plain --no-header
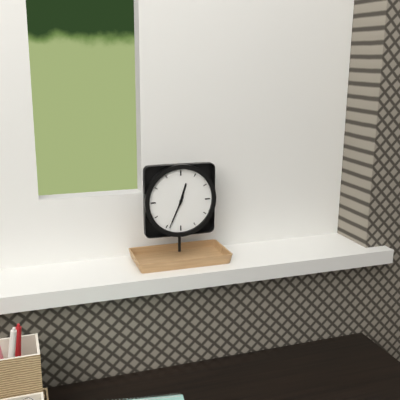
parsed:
12:34
